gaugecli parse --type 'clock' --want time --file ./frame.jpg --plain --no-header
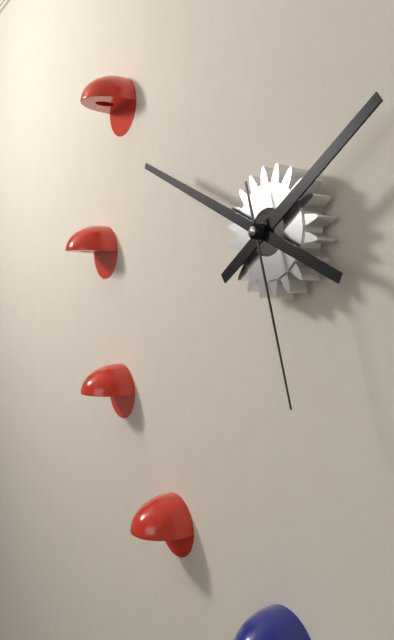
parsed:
1:49:27
